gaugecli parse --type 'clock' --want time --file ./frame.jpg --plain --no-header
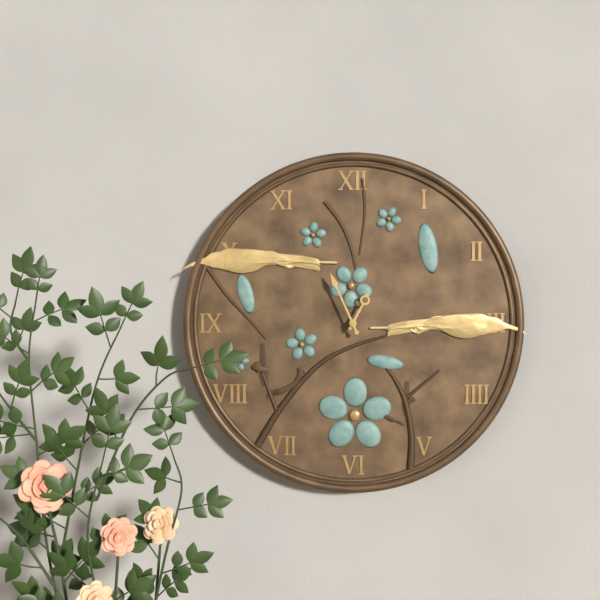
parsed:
12:56
